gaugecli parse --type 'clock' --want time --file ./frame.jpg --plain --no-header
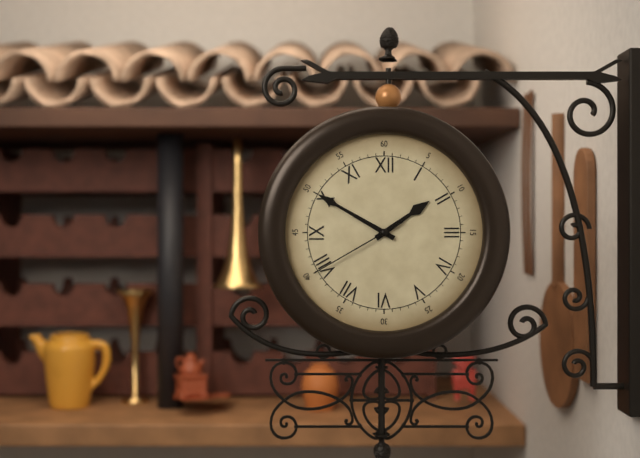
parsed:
1:50:40
